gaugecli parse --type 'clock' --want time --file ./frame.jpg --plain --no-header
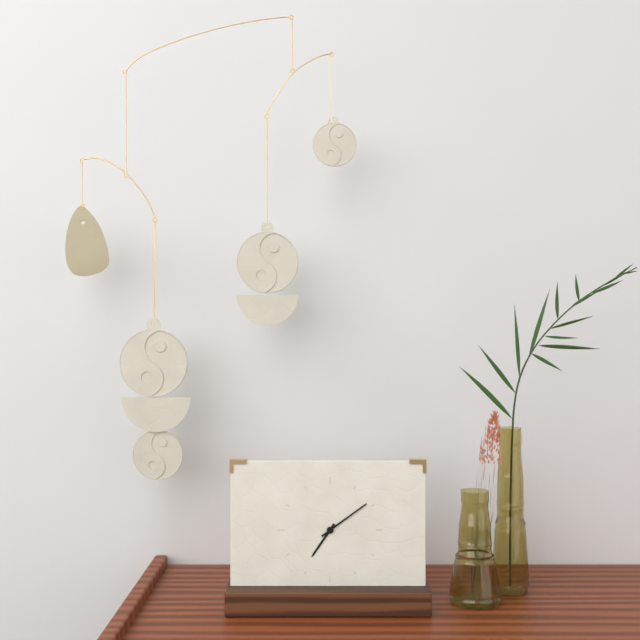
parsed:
7:09
